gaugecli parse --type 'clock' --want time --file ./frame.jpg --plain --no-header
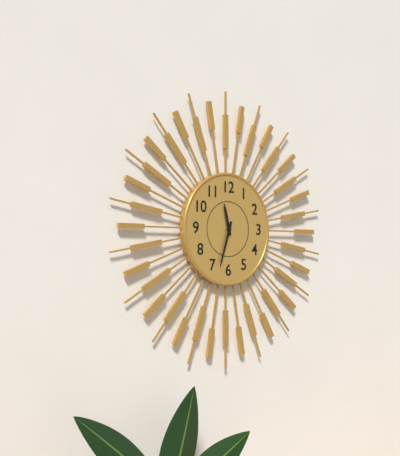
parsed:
11:33
